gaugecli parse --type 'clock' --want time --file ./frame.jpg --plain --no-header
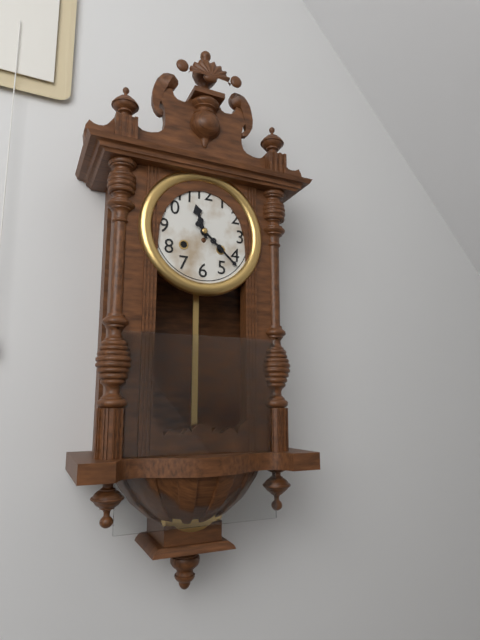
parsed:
11:22
